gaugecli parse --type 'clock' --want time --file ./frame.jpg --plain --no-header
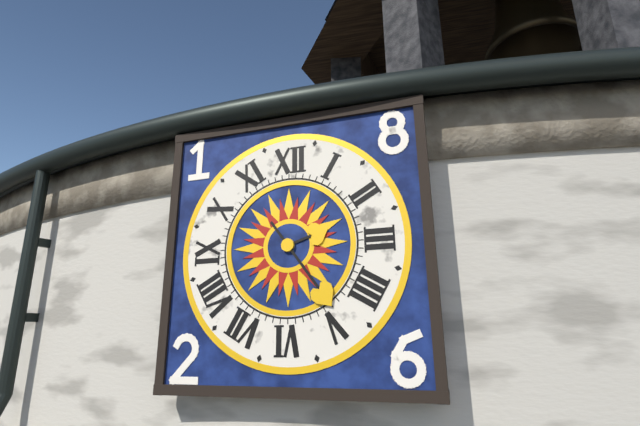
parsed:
2:24
